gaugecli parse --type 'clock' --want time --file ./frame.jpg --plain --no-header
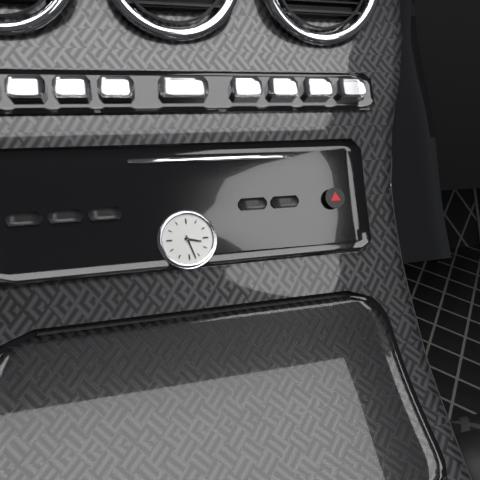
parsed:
3:27
